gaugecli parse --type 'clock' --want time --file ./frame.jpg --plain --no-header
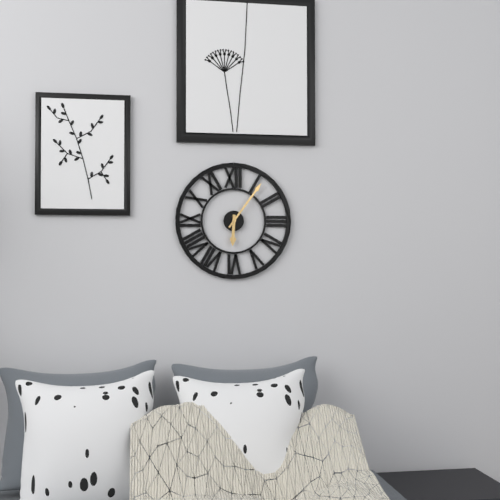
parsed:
6:06
